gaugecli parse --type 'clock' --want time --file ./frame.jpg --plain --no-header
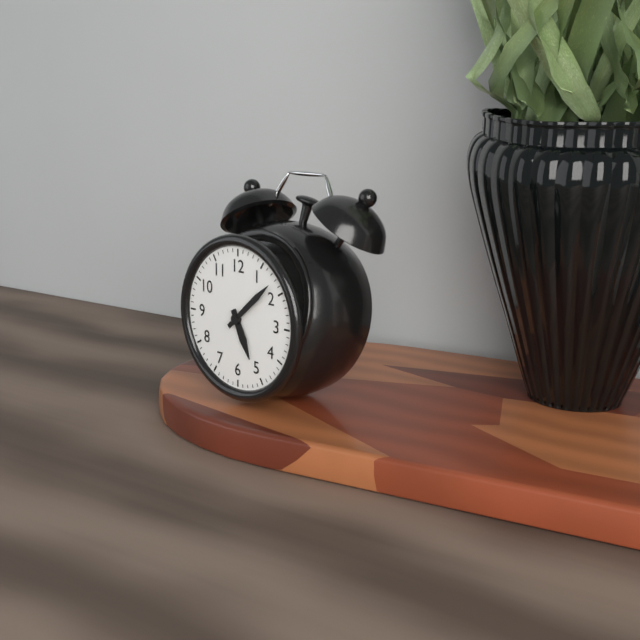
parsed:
5:08
